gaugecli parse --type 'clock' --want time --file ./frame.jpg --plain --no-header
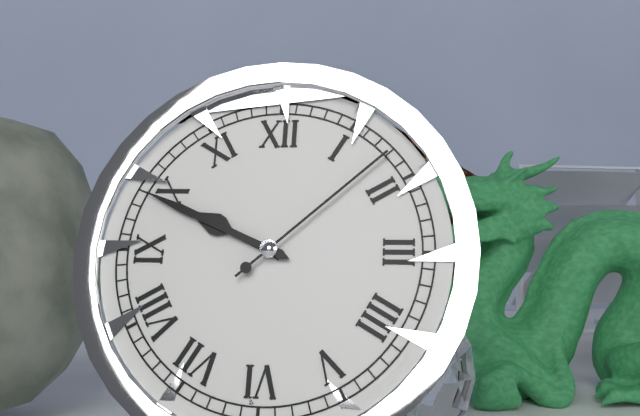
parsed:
9:49:08
